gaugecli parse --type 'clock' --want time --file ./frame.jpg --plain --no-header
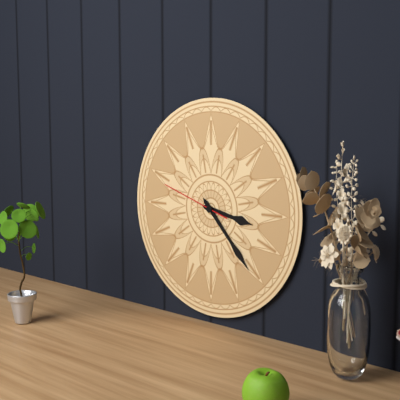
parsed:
3:23:48
